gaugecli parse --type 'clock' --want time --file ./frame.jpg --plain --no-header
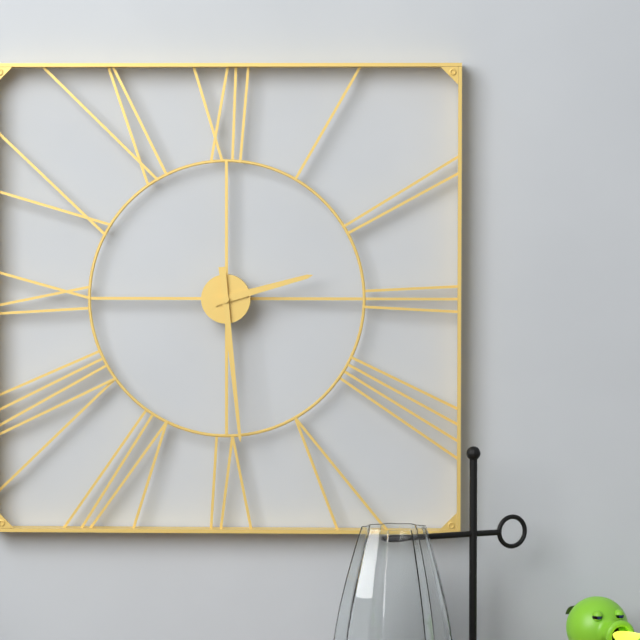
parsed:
2:29
